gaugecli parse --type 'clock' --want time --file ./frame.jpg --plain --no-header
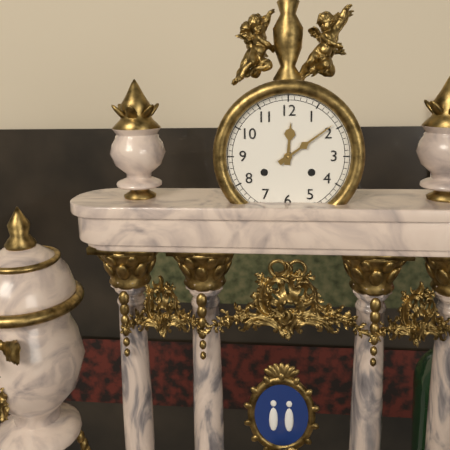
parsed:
12:09
